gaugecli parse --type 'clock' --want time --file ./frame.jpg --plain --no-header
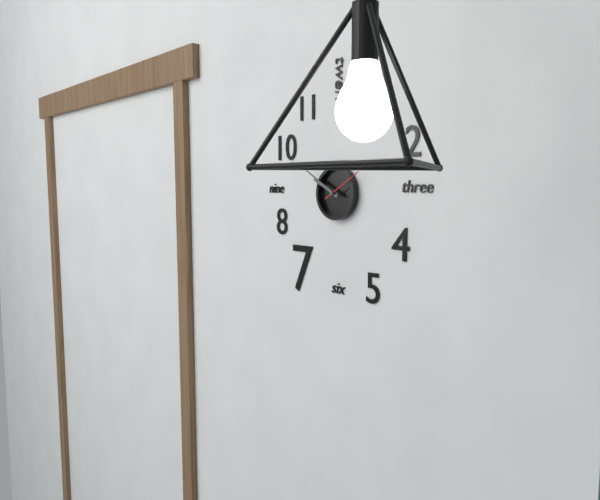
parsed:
9:50
